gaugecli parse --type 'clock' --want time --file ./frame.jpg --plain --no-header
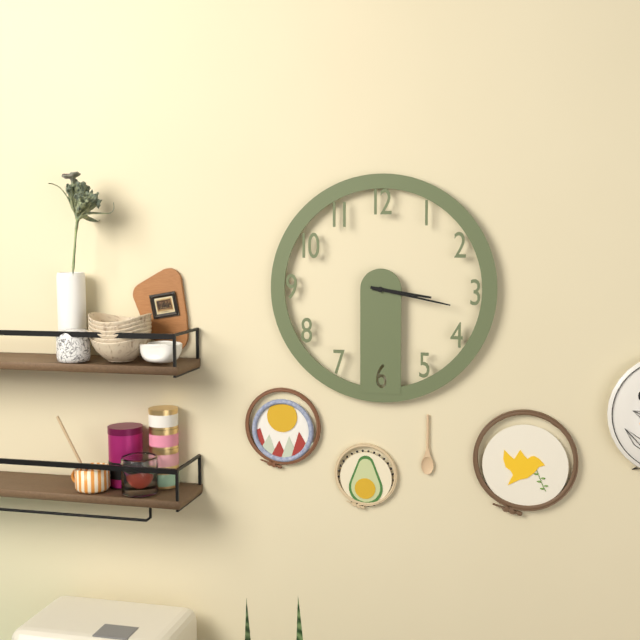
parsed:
3:17
